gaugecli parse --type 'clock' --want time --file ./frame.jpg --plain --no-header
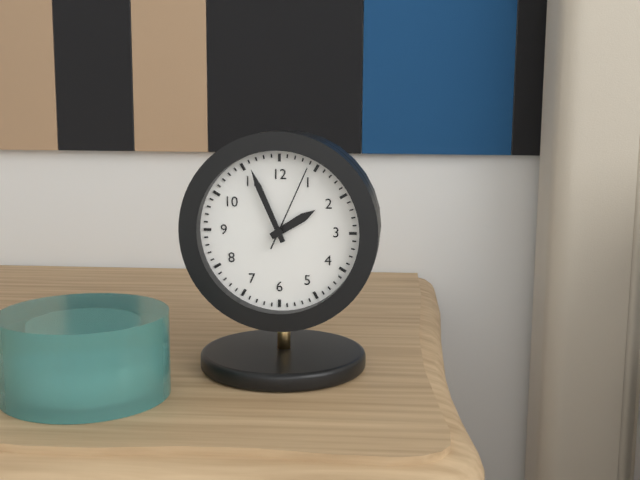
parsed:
1:56:04
